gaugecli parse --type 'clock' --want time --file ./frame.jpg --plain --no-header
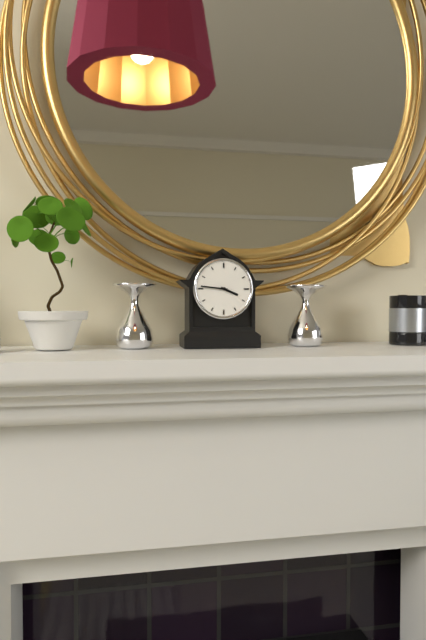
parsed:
3:46
